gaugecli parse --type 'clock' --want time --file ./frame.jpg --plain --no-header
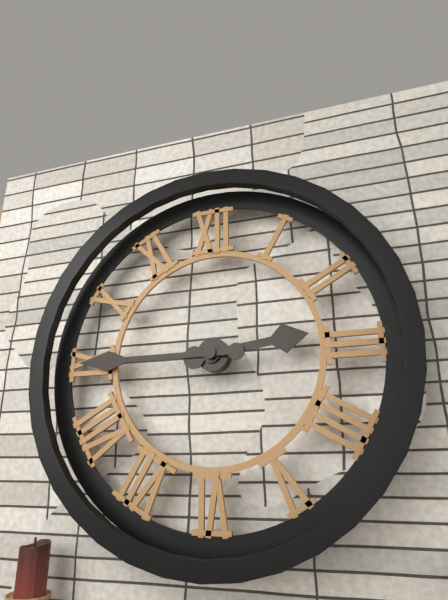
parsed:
2:45
